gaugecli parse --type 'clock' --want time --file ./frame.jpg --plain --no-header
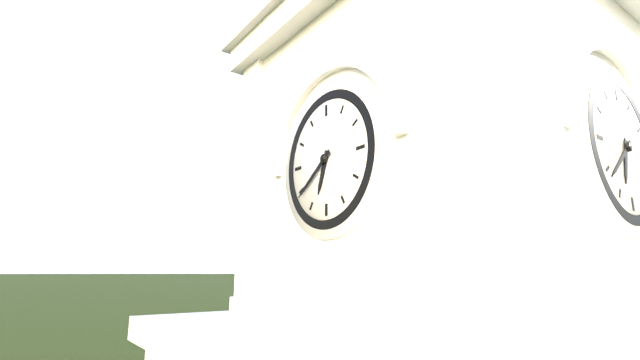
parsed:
6:39
